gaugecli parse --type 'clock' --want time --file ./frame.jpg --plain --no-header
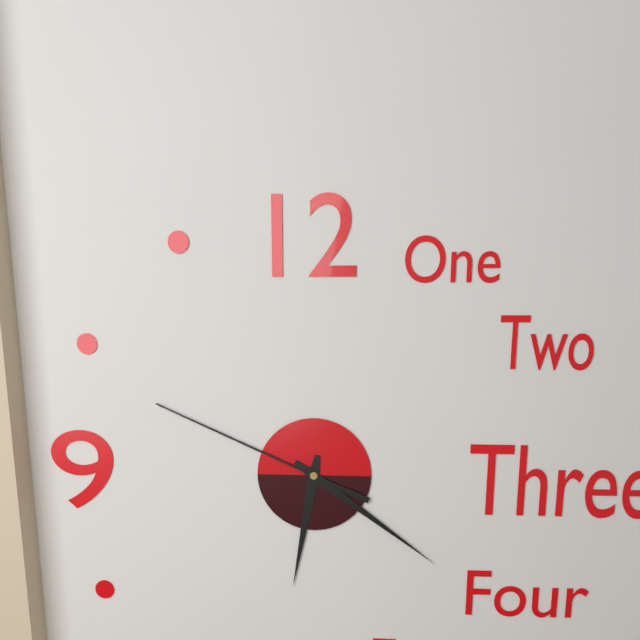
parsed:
6:21:49
